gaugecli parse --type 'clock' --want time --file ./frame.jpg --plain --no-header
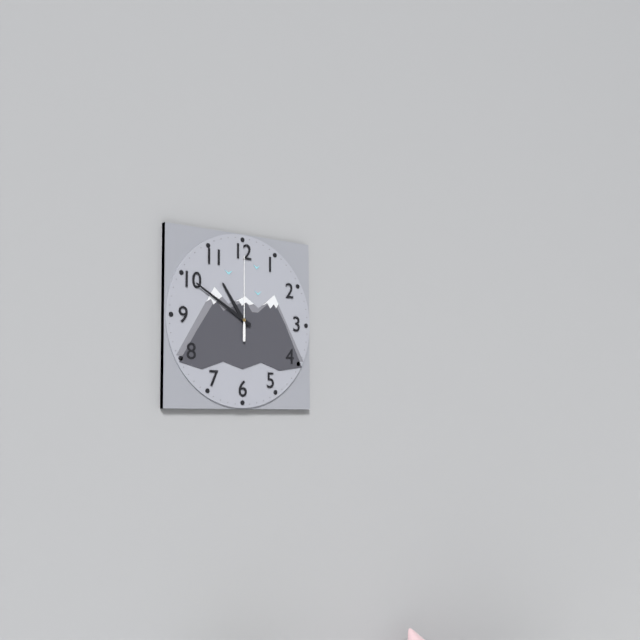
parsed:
10:50:00
